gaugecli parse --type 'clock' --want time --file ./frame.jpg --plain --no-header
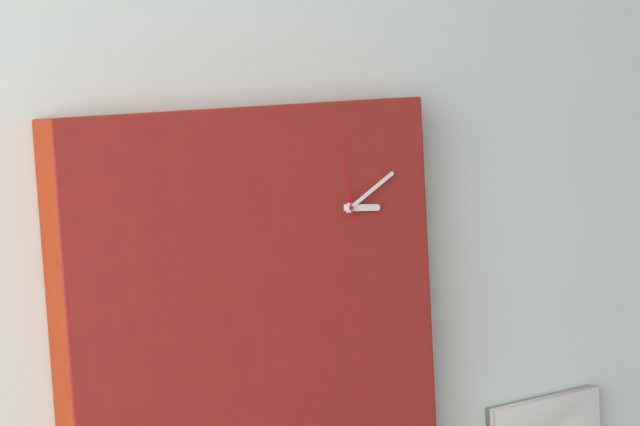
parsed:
3:10:59
